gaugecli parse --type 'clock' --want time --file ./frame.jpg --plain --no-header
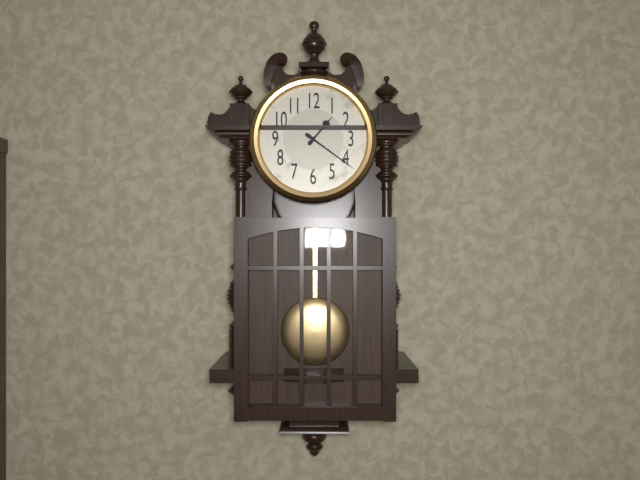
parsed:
1:21
